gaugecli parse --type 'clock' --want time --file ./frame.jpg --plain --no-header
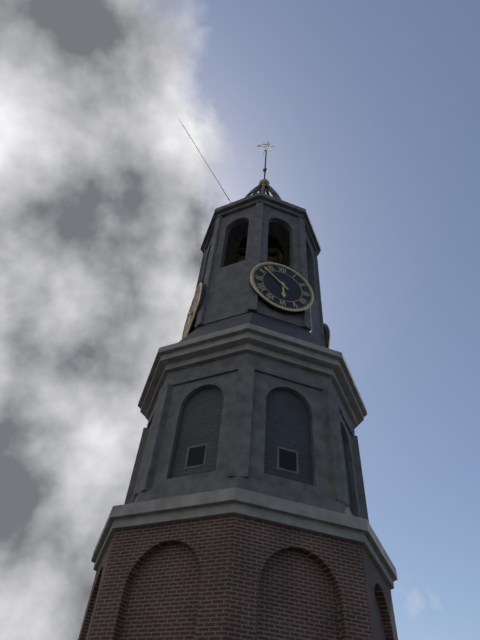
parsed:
5:52
